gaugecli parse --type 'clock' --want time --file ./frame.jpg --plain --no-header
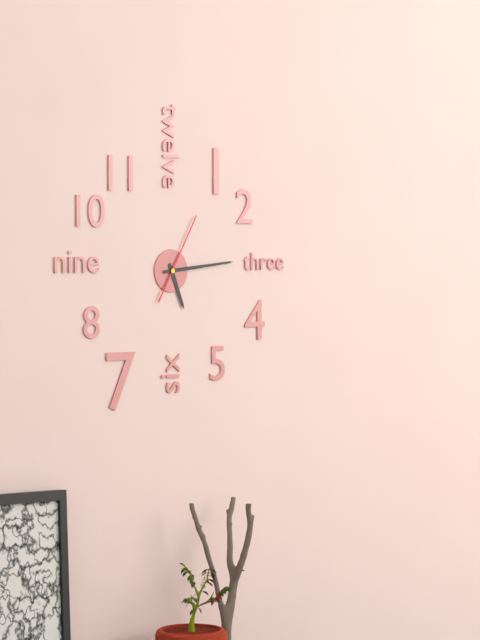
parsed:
5:14:05
